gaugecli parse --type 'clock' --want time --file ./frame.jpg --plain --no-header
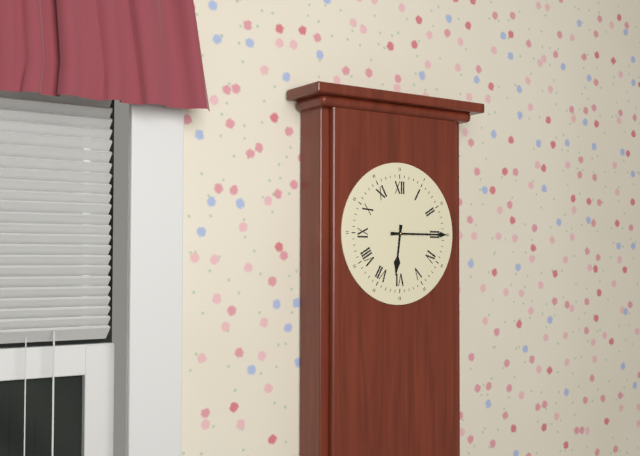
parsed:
6:15
